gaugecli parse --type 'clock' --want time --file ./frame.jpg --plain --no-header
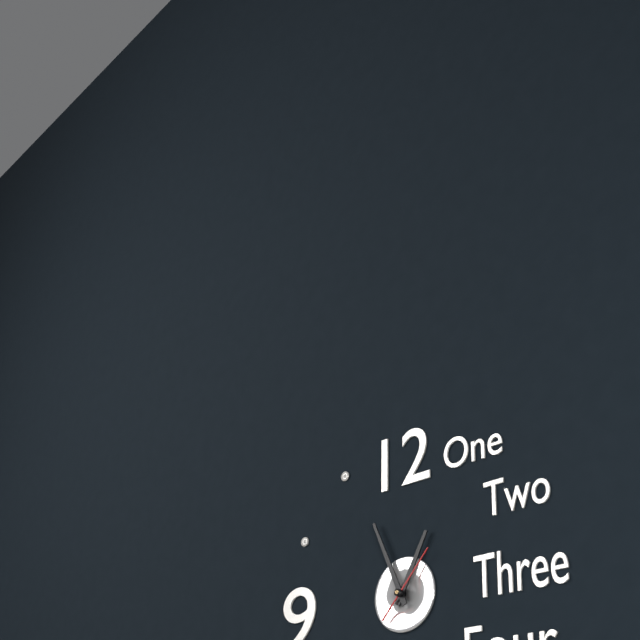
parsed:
12:56:07
